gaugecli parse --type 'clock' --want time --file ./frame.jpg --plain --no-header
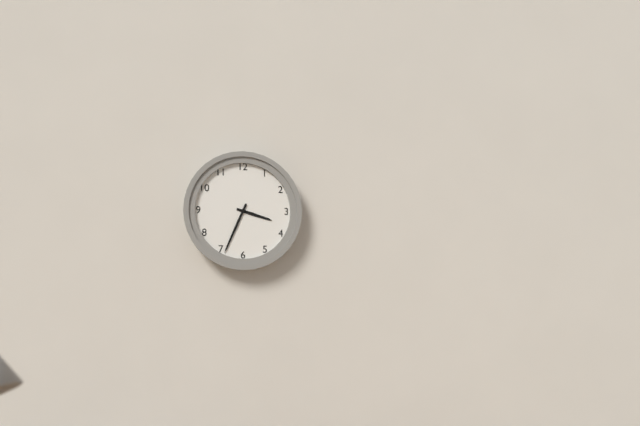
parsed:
3:34
